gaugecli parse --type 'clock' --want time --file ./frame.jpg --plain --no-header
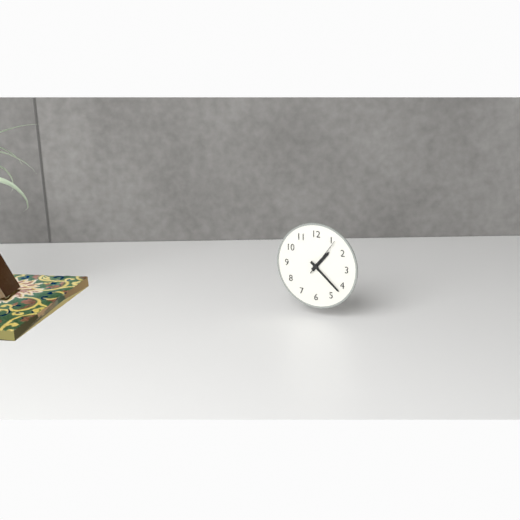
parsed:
1:22
